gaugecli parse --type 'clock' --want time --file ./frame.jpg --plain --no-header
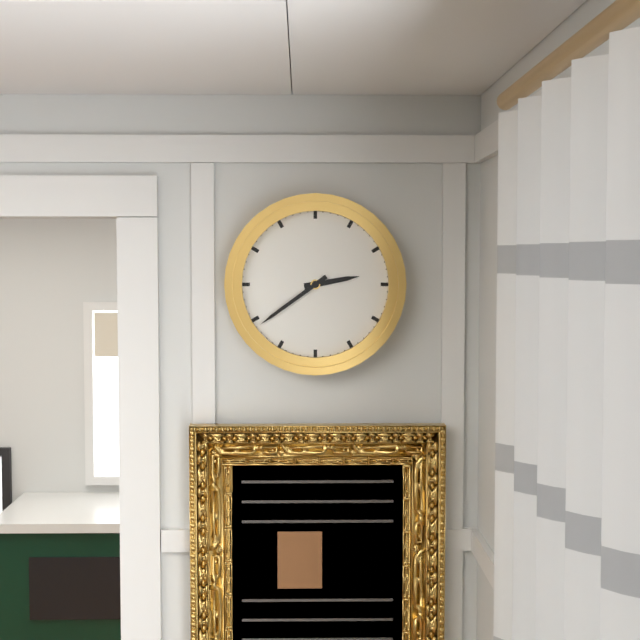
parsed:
2:39
